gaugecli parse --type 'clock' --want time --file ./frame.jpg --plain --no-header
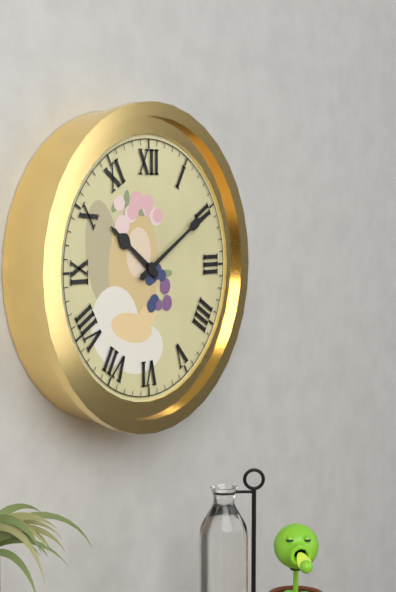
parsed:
10:10
